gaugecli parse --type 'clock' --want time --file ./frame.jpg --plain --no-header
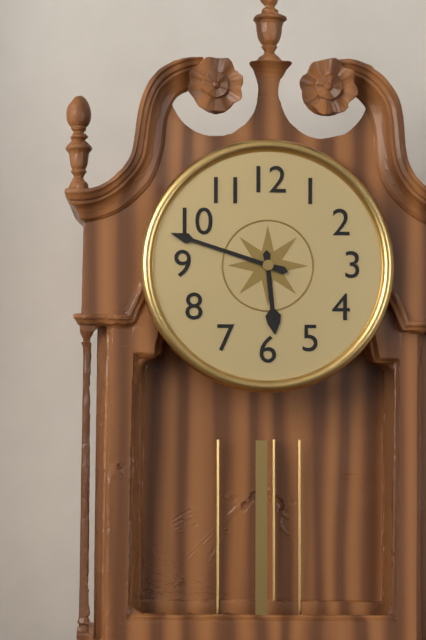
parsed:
5:48
